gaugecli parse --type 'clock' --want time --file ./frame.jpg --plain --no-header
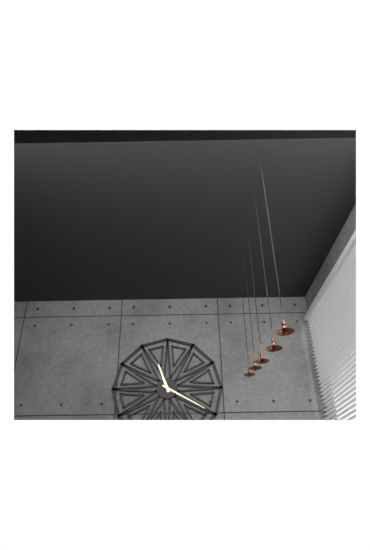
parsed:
11:20
